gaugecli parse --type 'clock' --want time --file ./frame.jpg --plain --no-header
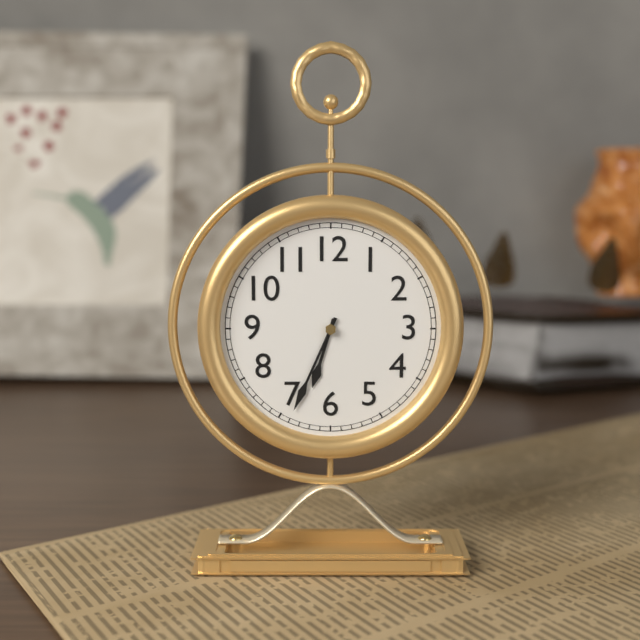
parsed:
6:34
